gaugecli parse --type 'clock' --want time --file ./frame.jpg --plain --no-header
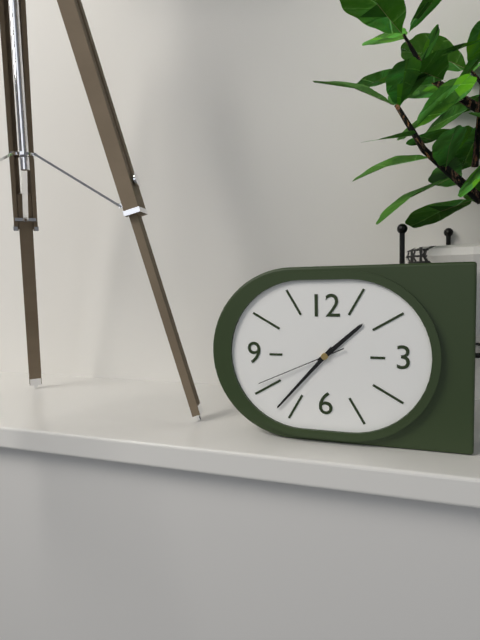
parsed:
1:37:41
